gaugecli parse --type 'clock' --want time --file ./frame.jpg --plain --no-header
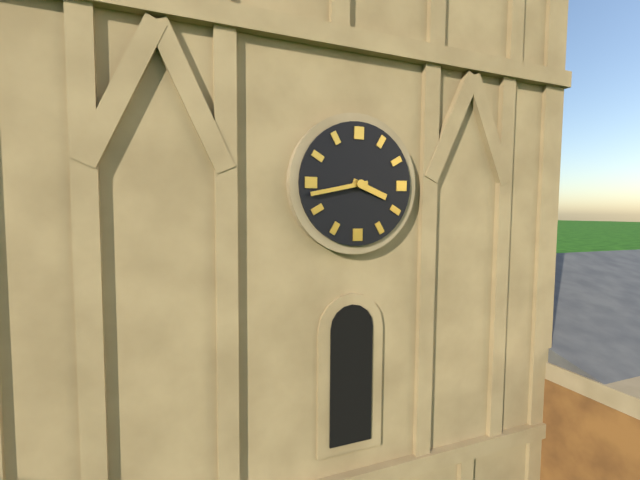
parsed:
3:43
